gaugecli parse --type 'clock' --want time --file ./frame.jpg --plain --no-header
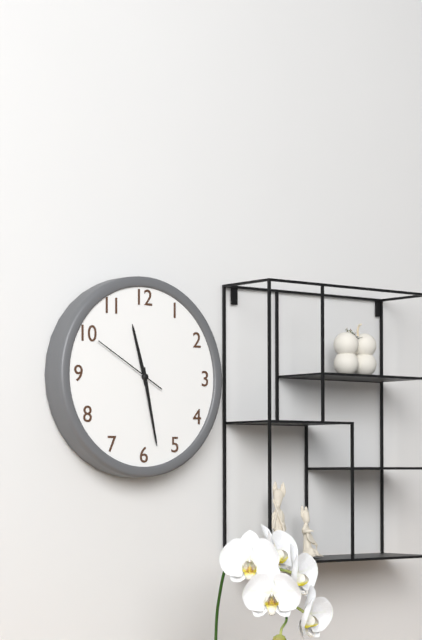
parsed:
11:28:50
